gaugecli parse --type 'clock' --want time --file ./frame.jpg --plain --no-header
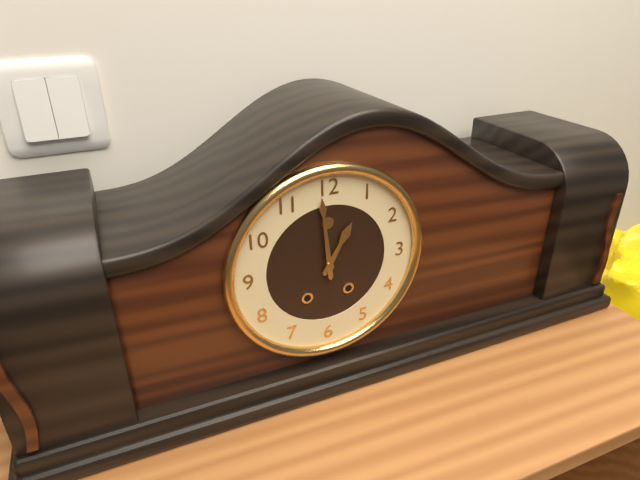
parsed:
12:59
